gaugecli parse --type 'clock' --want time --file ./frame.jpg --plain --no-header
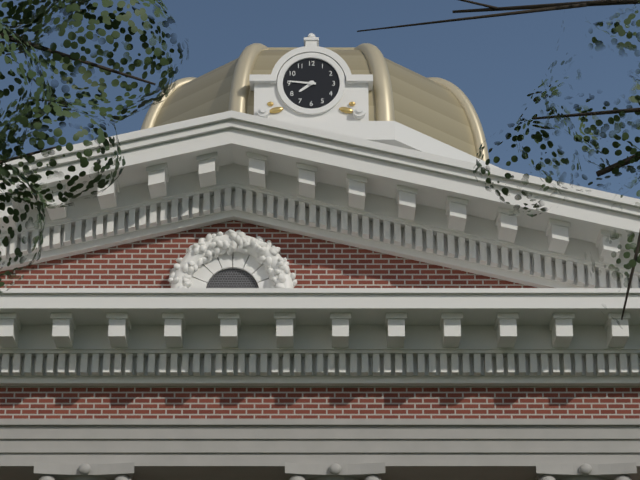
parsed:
7:46
